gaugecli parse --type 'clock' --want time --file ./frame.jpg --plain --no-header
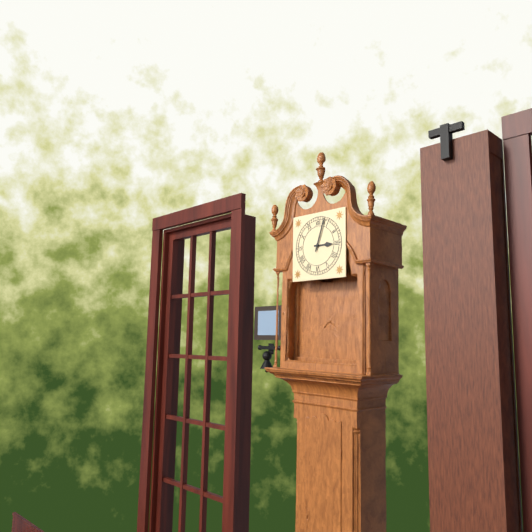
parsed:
3:03
